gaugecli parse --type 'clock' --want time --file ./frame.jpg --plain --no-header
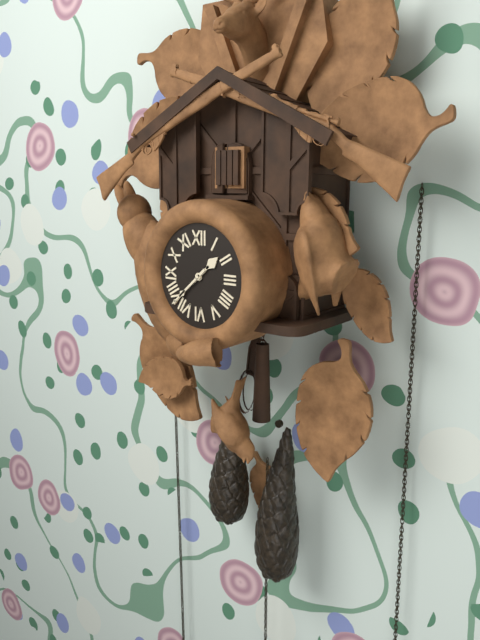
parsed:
1:38
